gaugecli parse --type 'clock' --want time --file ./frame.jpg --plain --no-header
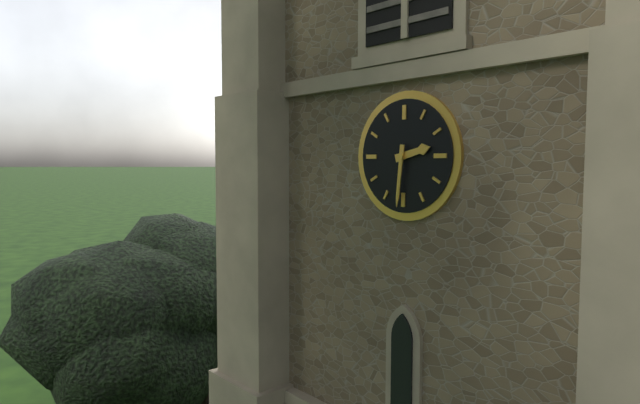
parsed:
2:31
